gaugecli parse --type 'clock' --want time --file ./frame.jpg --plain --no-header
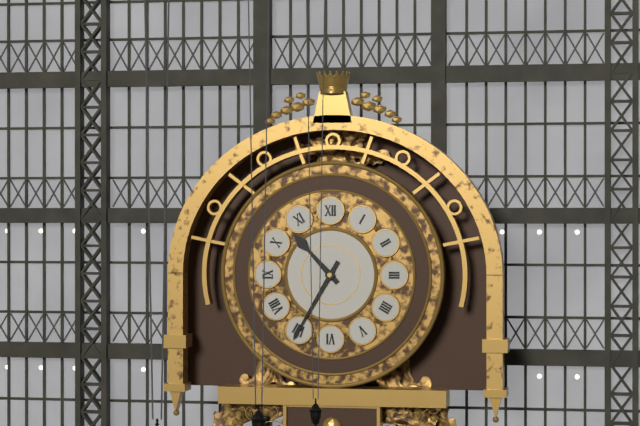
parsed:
10:35
